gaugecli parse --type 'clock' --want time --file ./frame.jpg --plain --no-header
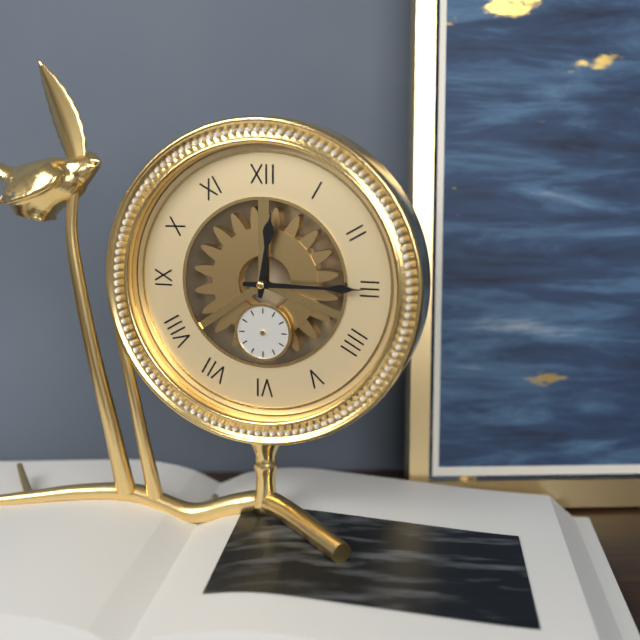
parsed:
12:15
